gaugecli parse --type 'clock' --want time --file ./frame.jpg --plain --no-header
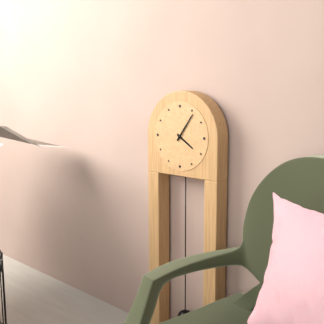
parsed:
4:06
